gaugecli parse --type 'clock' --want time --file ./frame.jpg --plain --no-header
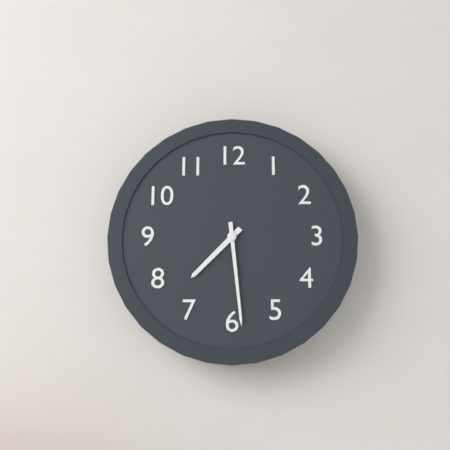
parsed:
7:29
